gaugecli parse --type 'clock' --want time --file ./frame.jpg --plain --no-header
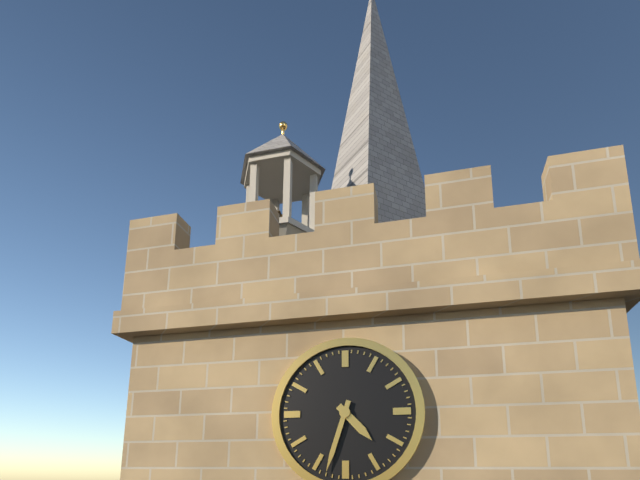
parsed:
4:33
